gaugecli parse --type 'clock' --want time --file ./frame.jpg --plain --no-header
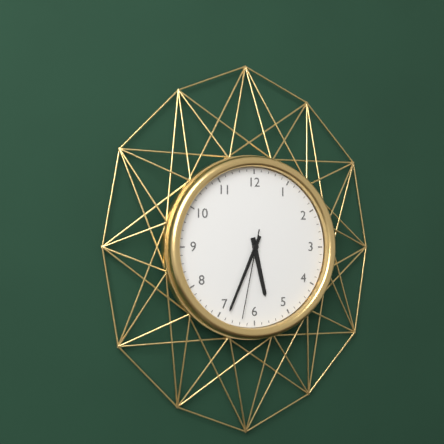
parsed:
5:34:32
